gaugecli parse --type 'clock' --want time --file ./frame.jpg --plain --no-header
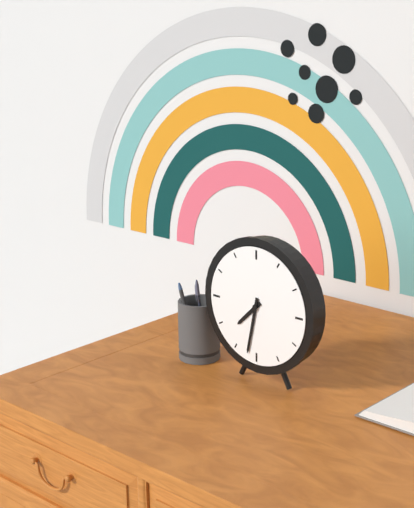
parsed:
7:32
